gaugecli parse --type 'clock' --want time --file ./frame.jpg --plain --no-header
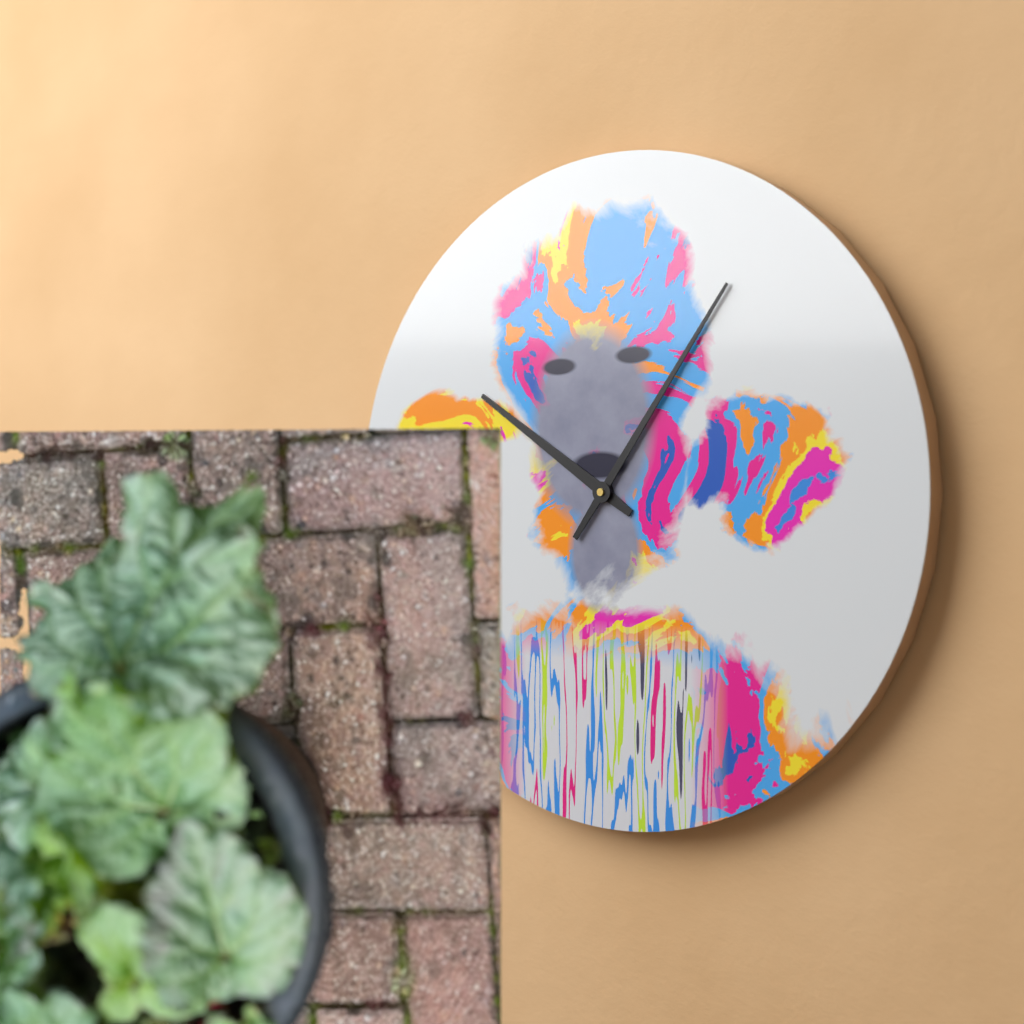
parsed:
10:06
